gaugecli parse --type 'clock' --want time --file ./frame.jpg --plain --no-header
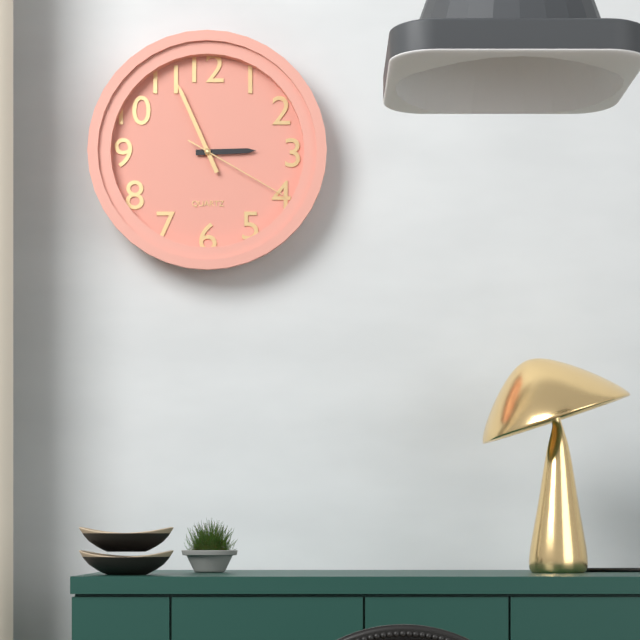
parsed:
2:56:20
